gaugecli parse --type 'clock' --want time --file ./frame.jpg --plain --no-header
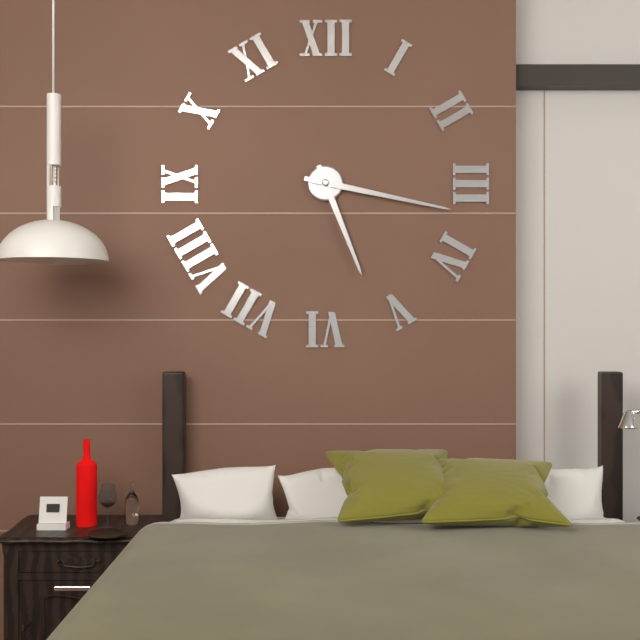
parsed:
5:17
